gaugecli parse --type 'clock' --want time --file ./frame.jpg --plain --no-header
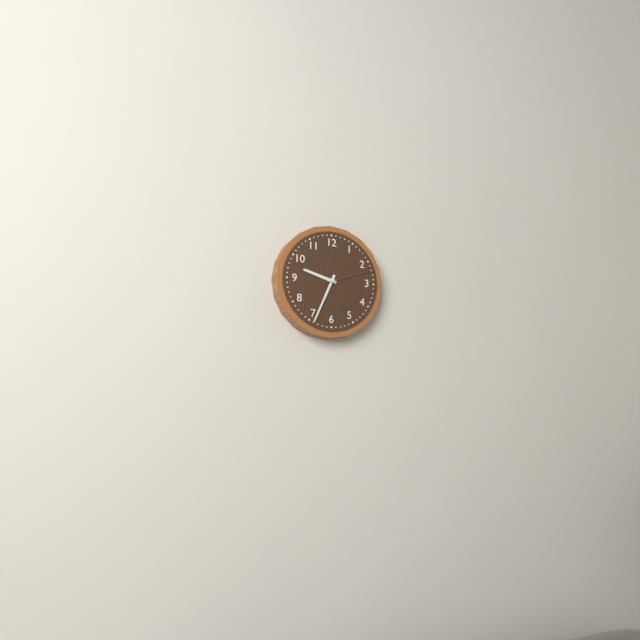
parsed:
9:34:12
